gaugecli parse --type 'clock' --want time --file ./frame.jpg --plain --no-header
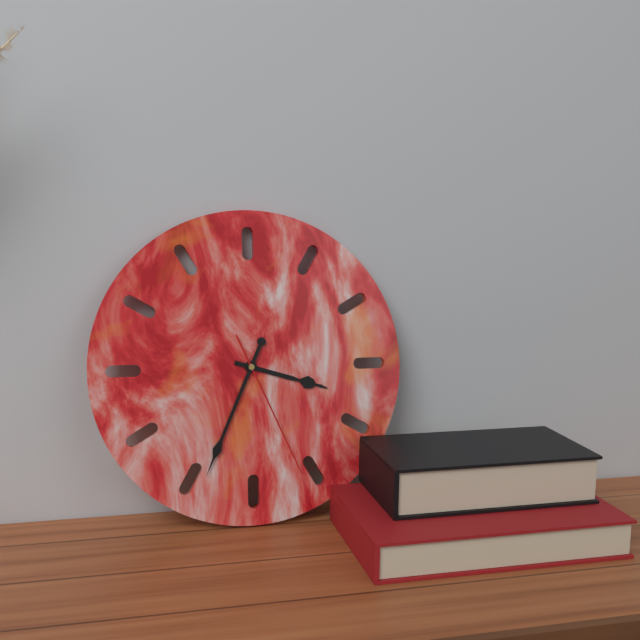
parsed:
3:34:26
